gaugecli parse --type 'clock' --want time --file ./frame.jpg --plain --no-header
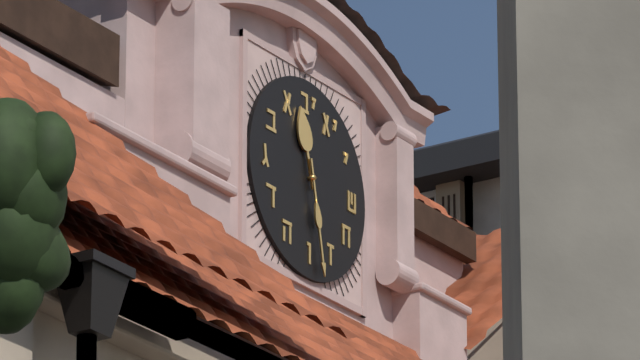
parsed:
11:28
